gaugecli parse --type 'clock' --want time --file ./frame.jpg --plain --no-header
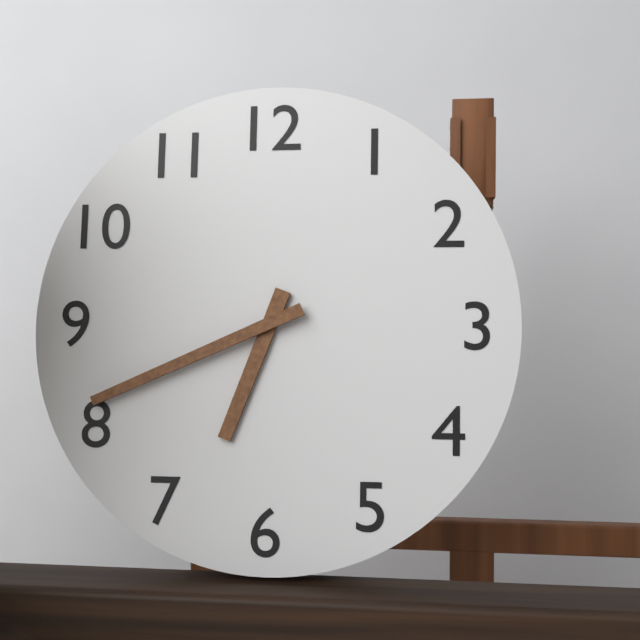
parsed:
6:41
